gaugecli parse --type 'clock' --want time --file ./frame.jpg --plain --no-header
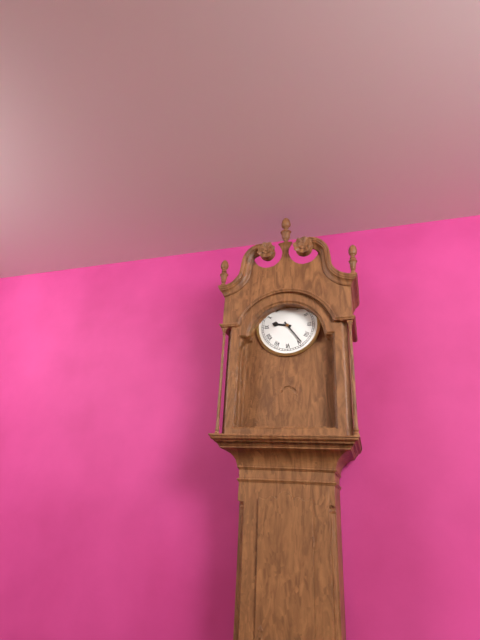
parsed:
9:24
